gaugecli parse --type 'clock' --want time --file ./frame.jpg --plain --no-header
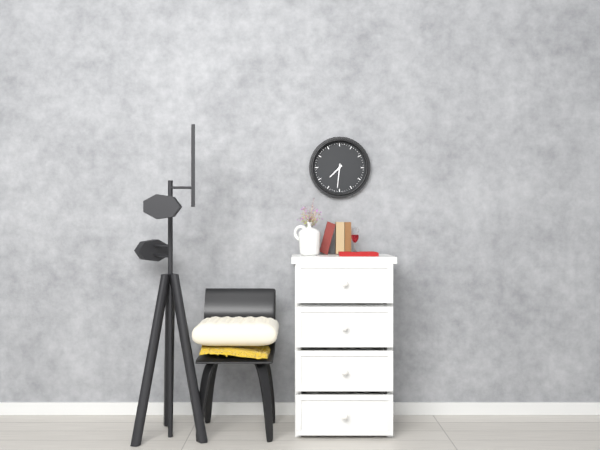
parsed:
7:31
